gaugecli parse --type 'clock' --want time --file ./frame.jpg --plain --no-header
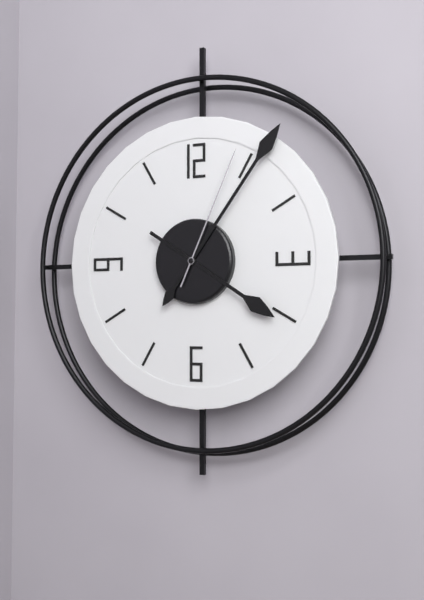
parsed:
4:06:04
